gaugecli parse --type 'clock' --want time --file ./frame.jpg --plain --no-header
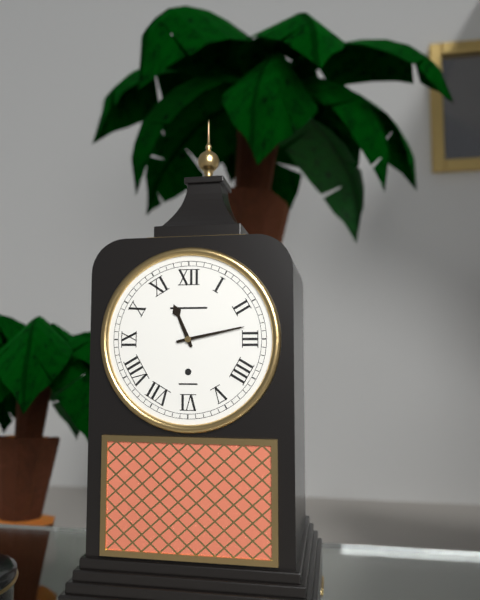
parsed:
11:13
